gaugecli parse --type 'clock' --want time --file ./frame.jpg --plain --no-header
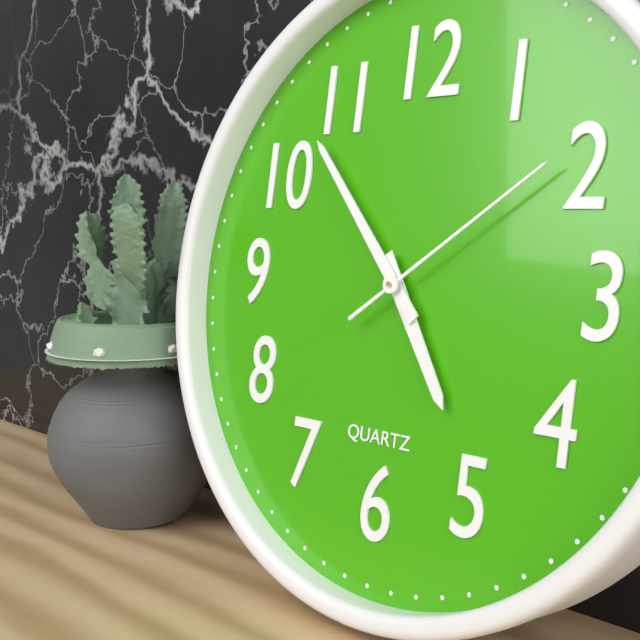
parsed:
4:53:09
